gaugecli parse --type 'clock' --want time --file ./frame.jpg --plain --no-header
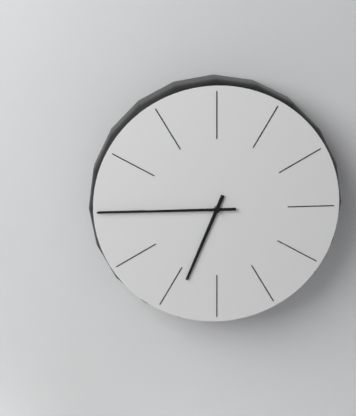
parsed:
6:45
